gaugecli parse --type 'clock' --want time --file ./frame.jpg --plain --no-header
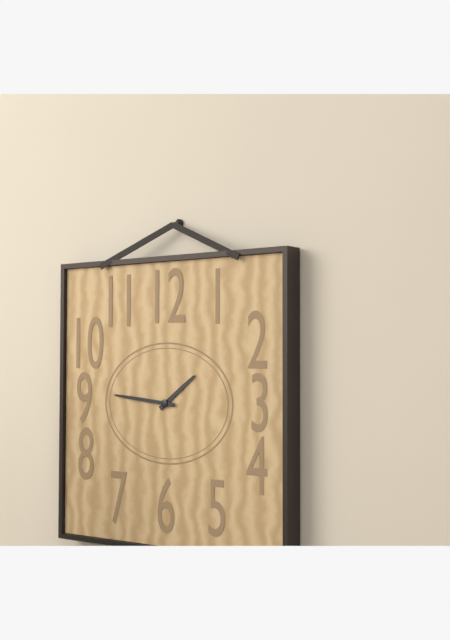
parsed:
1:46
